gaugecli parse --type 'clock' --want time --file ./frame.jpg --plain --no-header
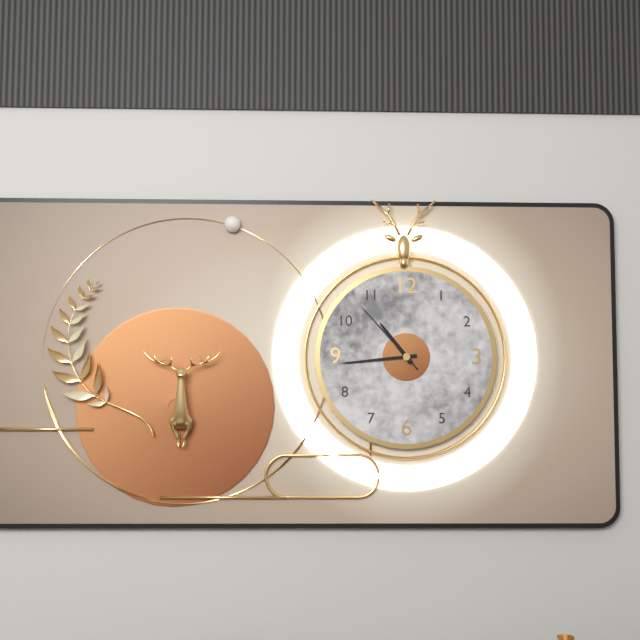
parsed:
10:44:53
